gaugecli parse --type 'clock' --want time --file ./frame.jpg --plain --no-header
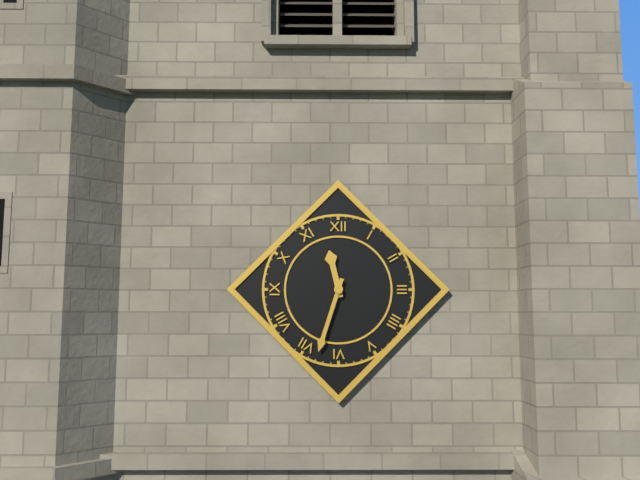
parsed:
11:33
